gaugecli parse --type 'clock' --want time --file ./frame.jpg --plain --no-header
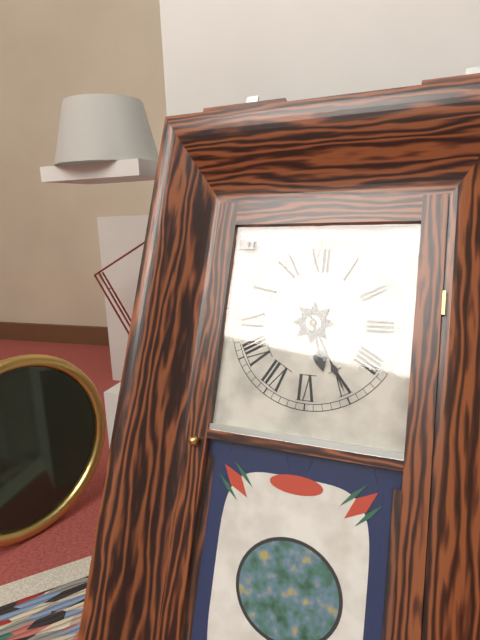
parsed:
5:25
